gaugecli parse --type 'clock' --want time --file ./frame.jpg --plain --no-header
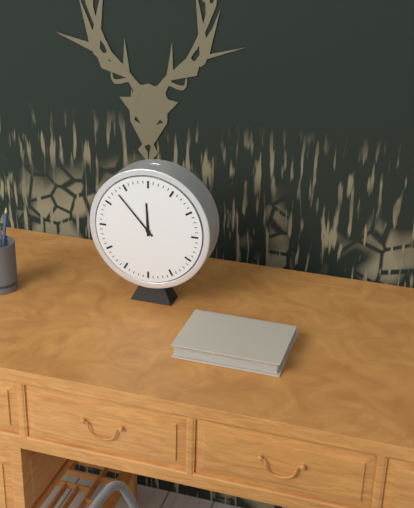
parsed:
11:53
